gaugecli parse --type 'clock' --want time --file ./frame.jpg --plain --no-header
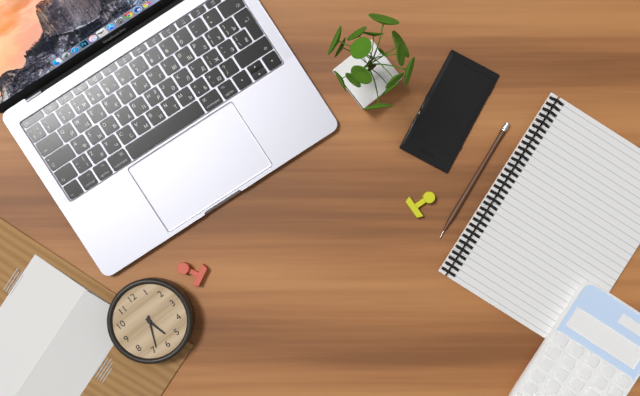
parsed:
5:34
